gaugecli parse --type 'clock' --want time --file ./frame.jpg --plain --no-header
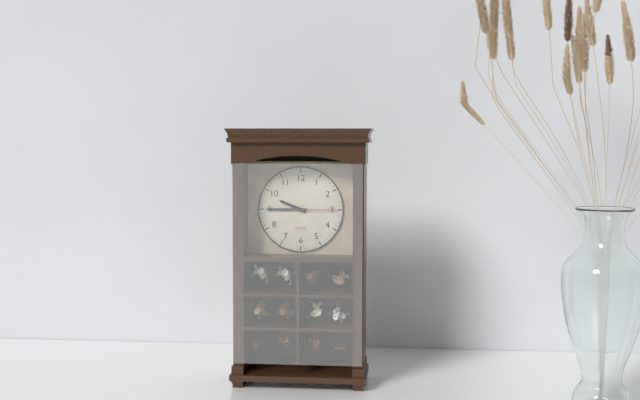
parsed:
9:45
